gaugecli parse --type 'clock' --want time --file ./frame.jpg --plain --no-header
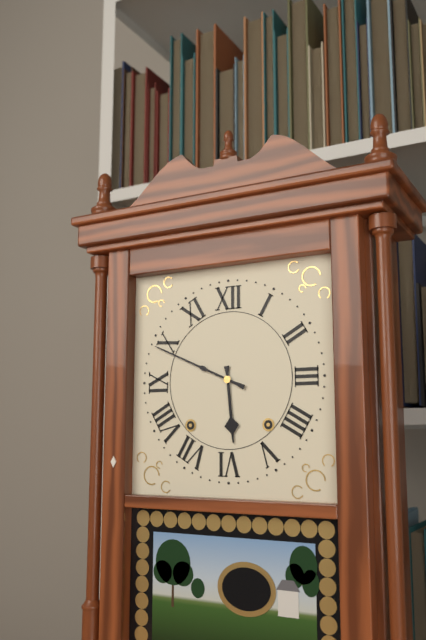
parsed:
5:49
